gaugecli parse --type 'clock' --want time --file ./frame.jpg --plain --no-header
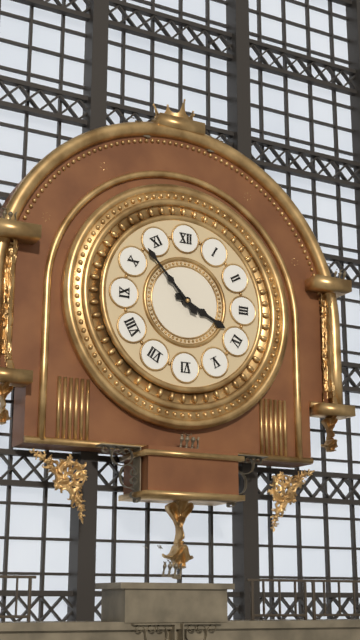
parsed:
3:53
